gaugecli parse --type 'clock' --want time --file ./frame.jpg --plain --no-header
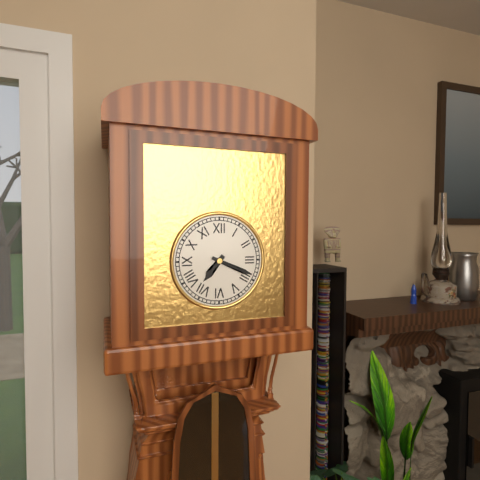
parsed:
7:19
